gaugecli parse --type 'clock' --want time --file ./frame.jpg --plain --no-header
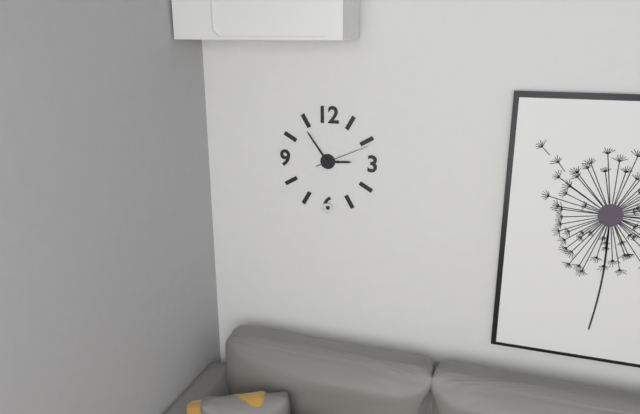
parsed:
2:54:11
